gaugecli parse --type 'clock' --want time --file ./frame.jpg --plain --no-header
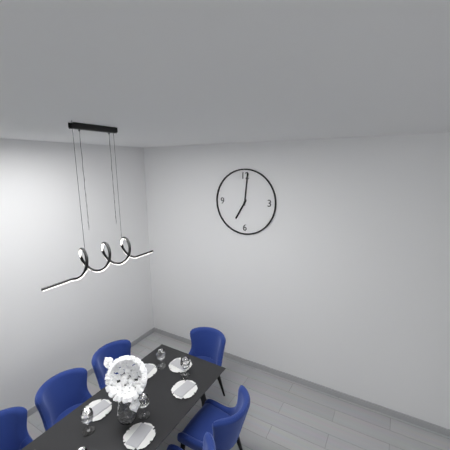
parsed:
7:01
